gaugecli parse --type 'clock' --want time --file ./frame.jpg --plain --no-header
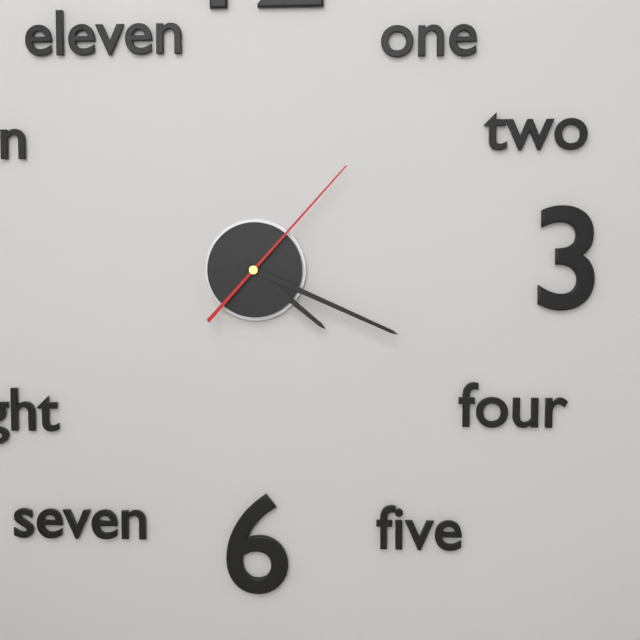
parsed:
4:19:07
